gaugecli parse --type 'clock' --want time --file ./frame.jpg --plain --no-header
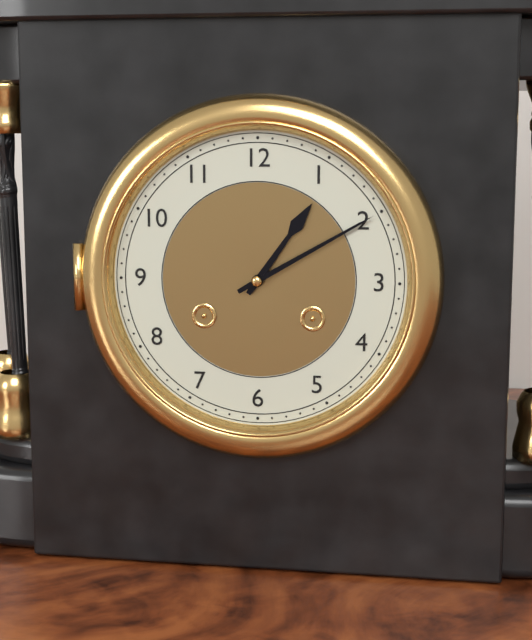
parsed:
1:10
